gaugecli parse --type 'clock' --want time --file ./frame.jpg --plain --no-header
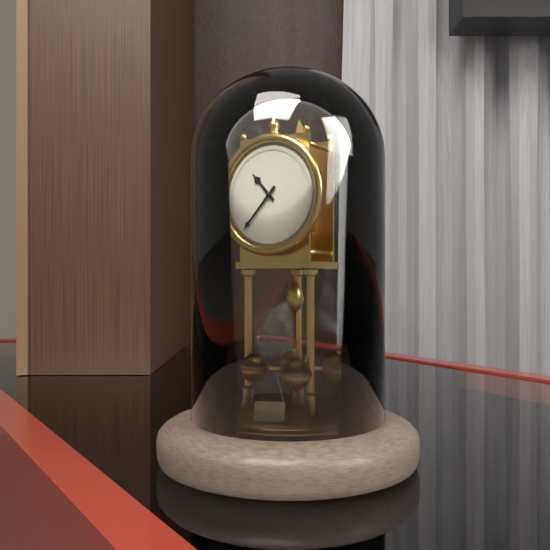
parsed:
10:37
